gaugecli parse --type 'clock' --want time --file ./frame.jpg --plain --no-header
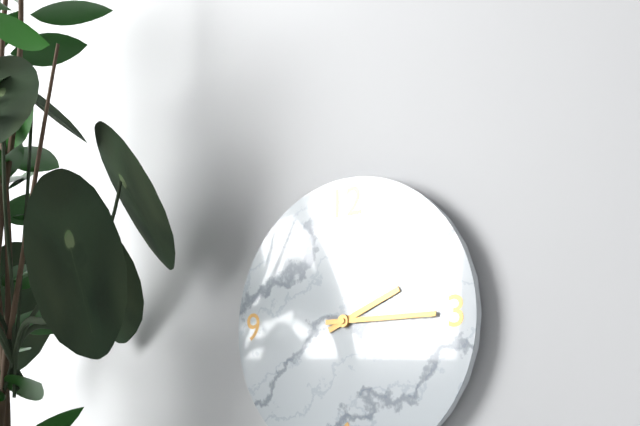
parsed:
2:15
